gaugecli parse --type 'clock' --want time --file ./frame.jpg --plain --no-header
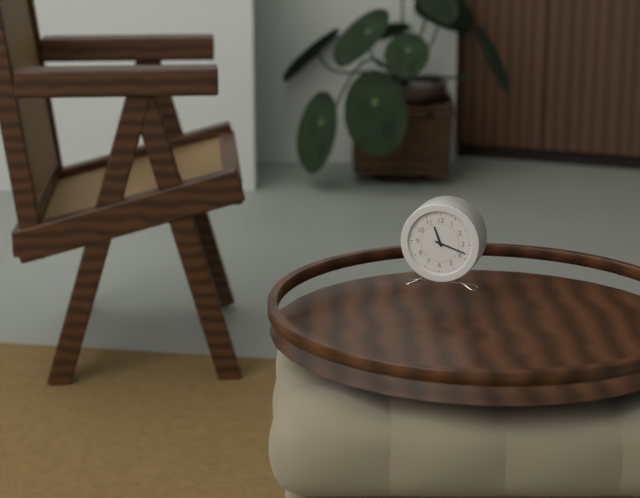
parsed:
11:18
